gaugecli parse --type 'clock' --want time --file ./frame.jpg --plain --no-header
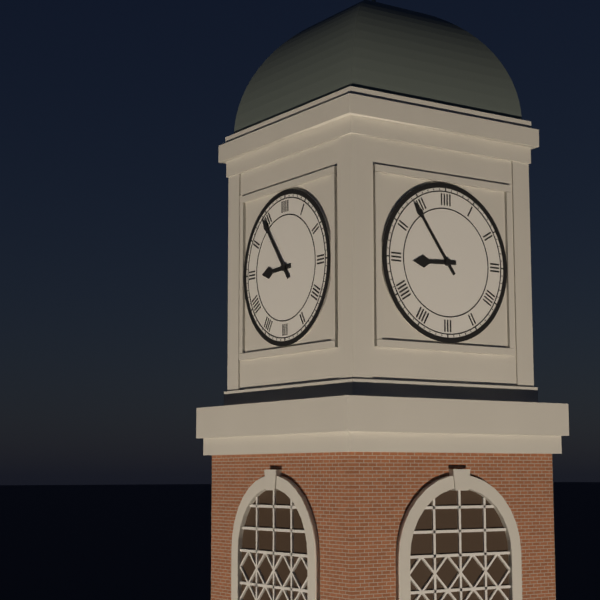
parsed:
8:54
